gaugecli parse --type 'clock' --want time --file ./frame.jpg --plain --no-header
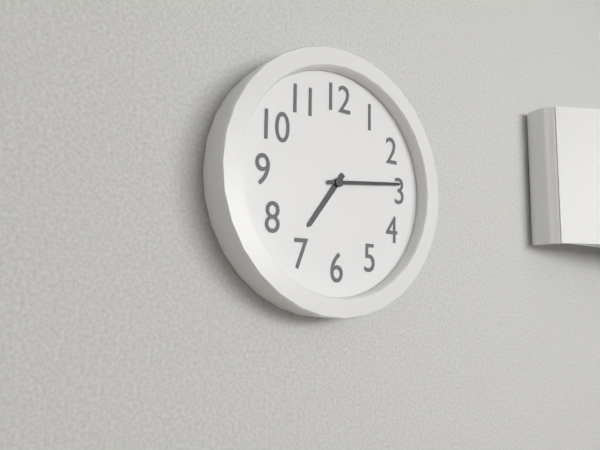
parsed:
7:14
